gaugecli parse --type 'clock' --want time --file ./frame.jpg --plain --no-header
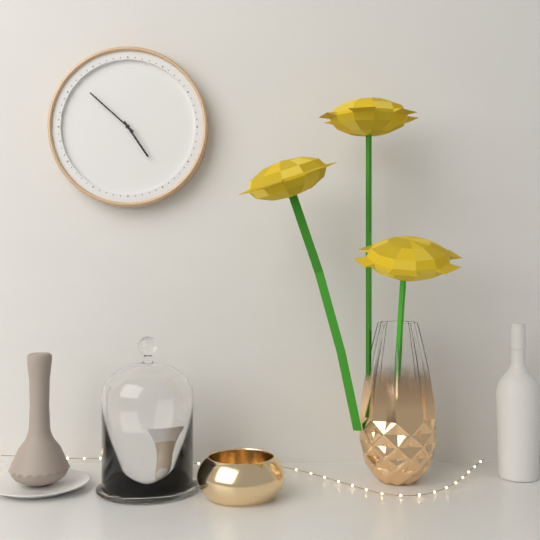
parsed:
4:52
